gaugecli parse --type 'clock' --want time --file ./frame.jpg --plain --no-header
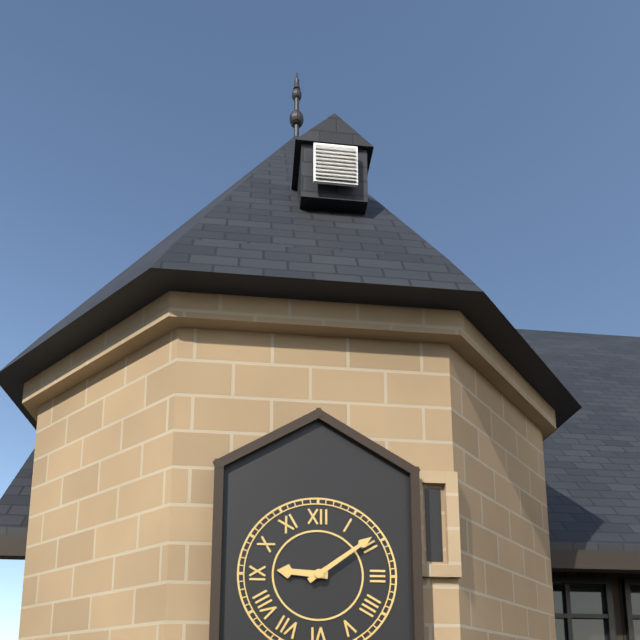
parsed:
9:09
